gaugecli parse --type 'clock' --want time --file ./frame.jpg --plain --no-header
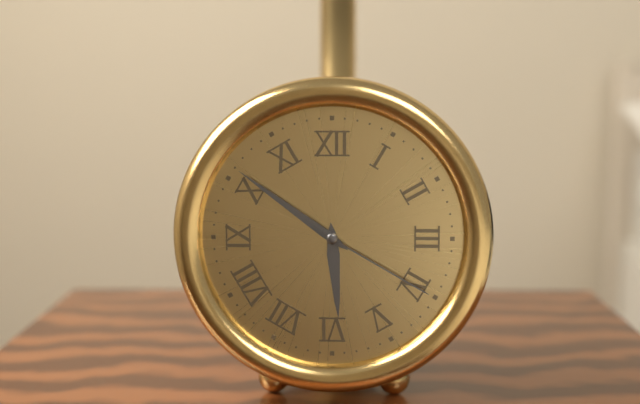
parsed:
5:51:20
